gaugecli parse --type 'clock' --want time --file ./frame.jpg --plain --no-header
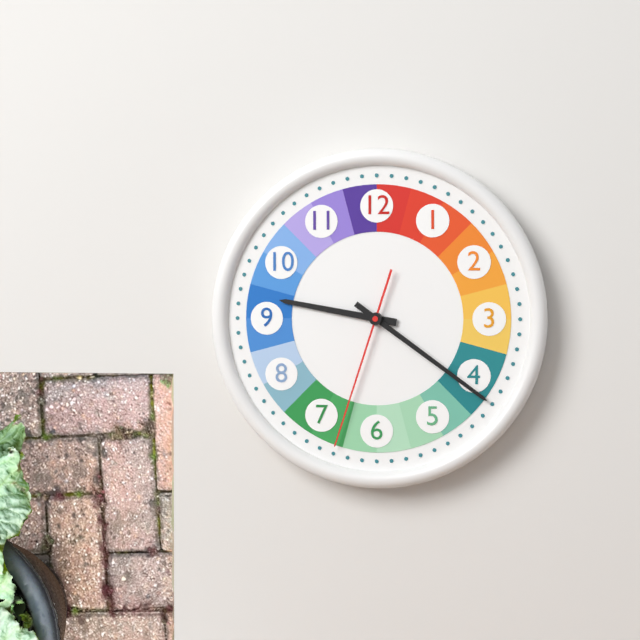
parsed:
9:21:33
